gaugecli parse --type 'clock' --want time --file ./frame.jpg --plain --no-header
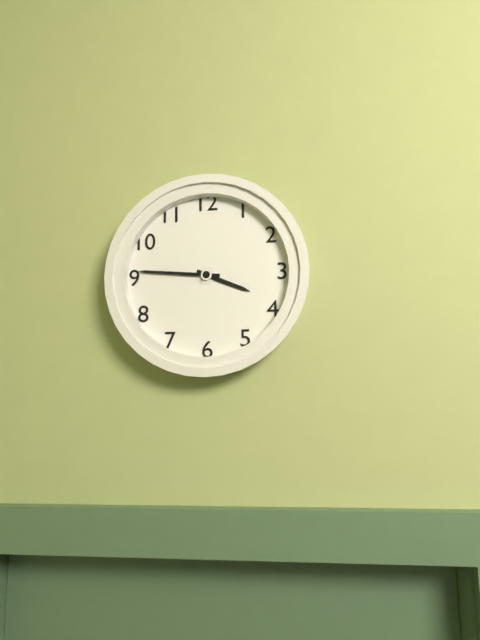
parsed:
3:46
